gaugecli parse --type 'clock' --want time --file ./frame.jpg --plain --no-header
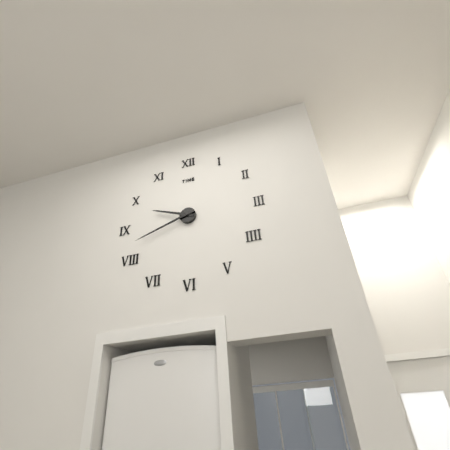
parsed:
9:42
